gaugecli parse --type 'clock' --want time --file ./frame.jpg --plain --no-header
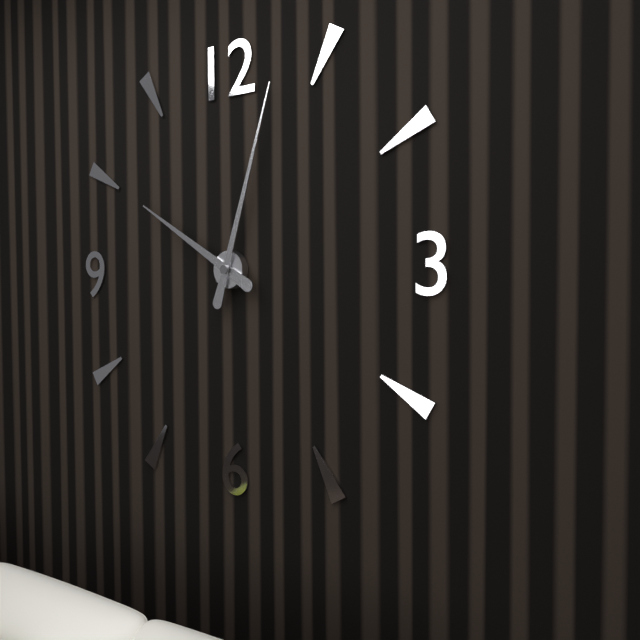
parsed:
10:03
